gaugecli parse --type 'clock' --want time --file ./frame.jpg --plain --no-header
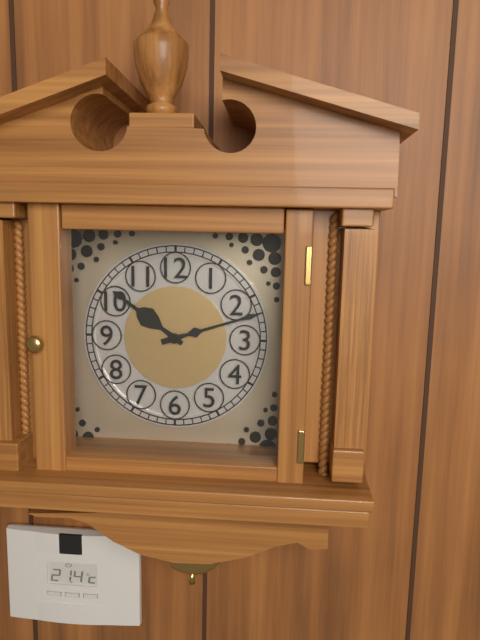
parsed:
10:12
